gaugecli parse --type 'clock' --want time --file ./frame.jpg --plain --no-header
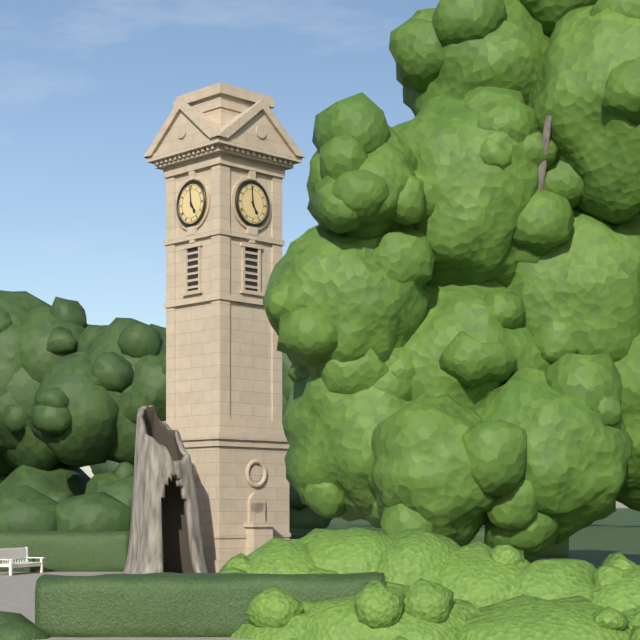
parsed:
4:59
